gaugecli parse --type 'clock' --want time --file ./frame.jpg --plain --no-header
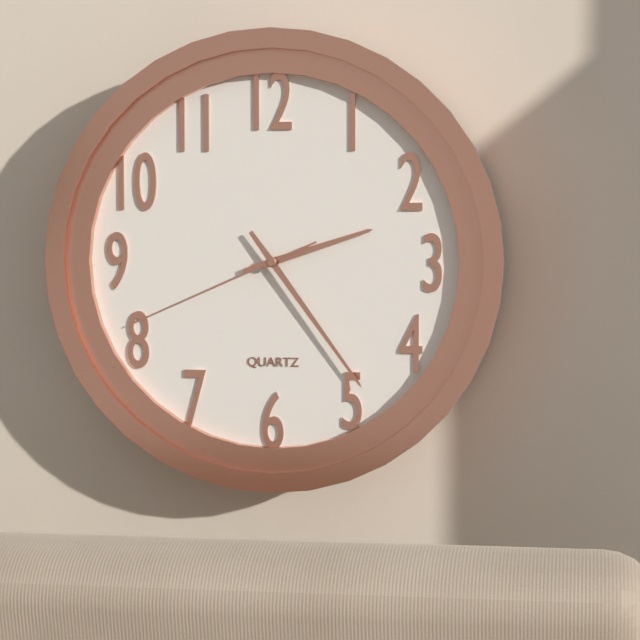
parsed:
2:24:41
